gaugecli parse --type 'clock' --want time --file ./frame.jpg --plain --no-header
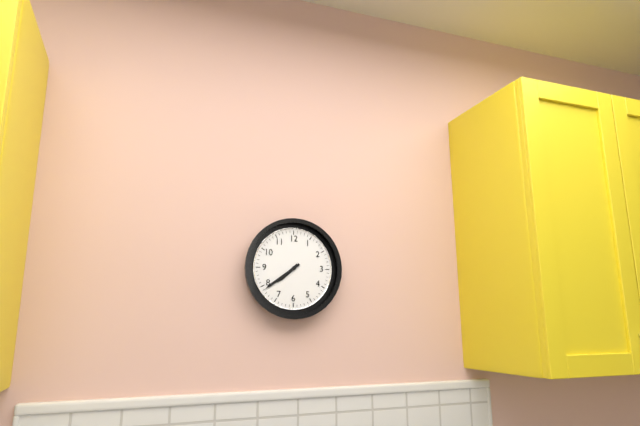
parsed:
7:39
